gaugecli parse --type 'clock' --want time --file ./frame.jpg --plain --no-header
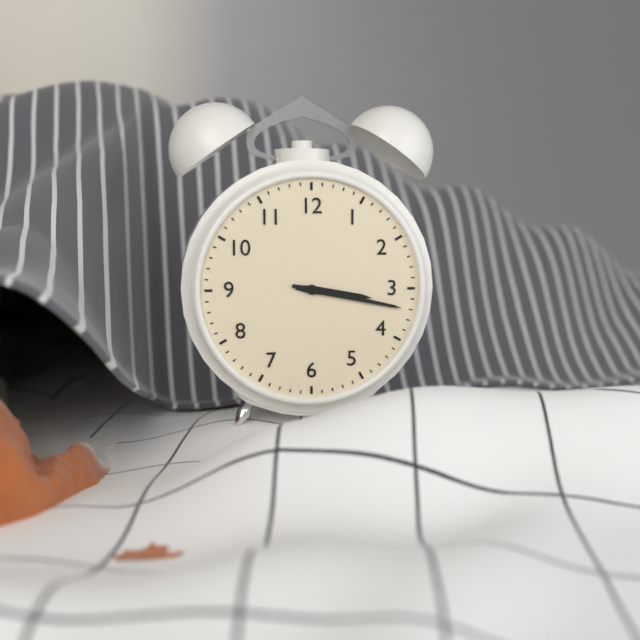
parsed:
3:17
